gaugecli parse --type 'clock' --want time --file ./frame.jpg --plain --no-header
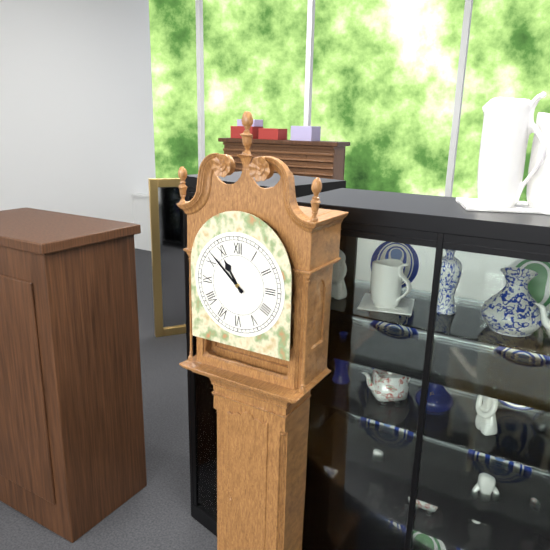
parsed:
10:52
